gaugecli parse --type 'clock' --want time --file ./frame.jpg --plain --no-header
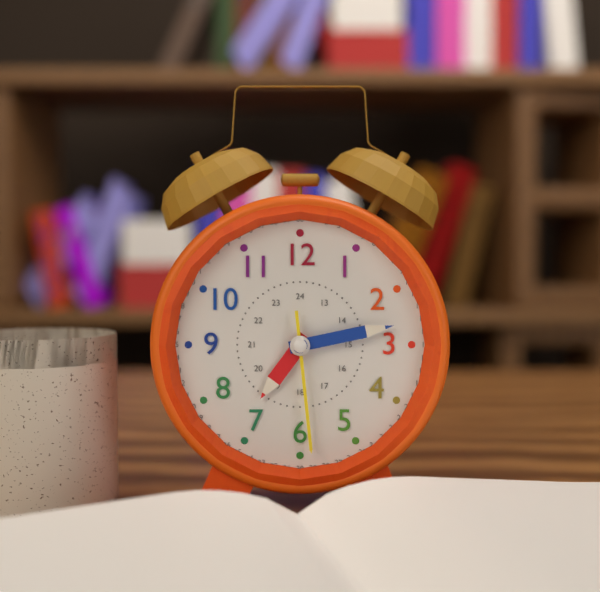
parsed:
7:13:29
